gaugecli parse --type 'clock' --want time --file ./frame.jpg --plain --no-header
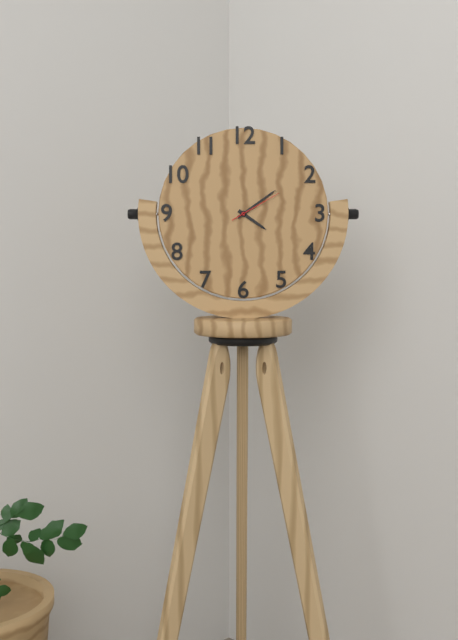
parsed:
4:09:10
